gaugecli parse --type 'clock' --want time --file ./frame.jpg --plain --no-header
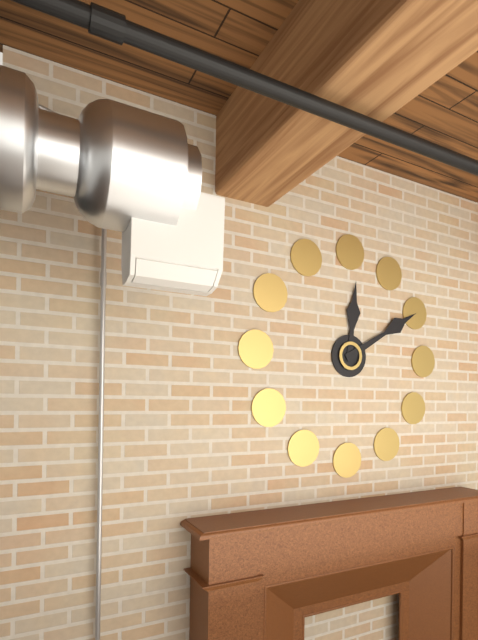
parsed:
12:10
